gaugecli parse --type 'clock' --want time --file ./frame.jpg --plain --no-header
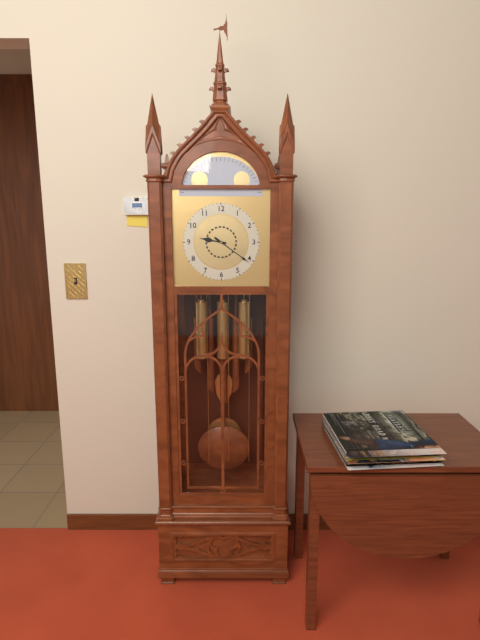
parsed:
9:21
